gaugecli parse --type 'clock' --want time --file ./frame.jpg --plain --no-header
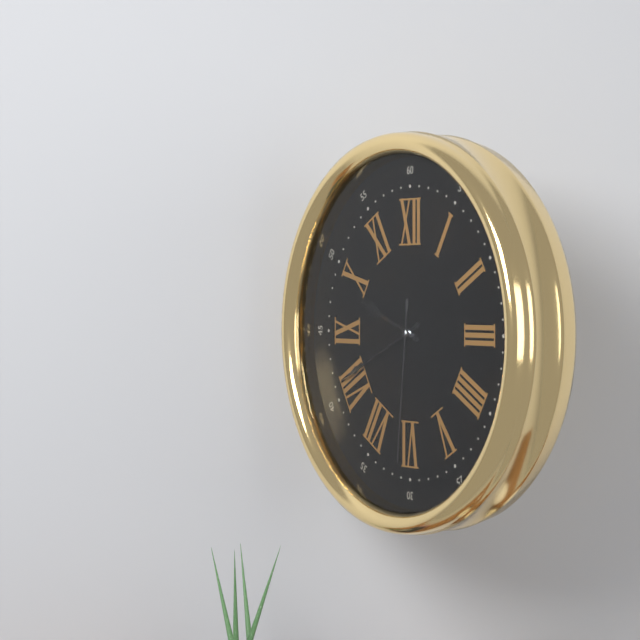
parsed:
9:41:31
